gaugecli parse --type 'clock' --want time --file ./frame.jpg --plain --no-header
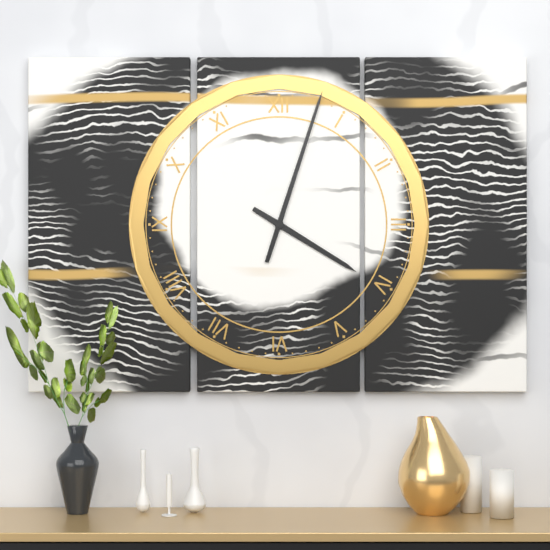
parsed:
4:03
